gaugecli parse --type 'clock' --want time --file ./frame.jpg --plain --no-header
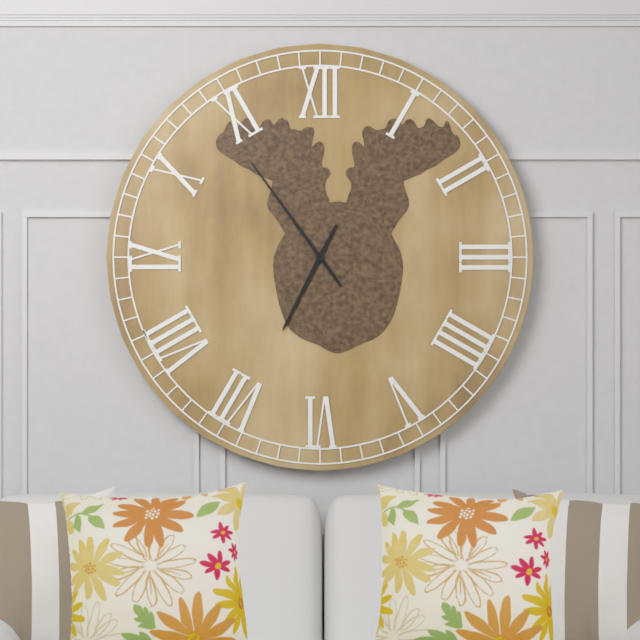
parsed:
6:54
